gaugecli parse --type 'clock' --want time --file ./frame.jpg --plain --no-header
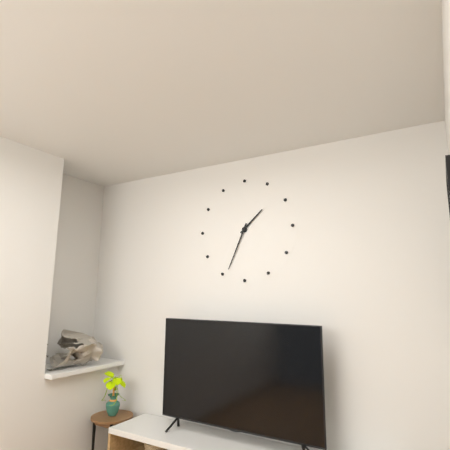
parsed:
1:34
